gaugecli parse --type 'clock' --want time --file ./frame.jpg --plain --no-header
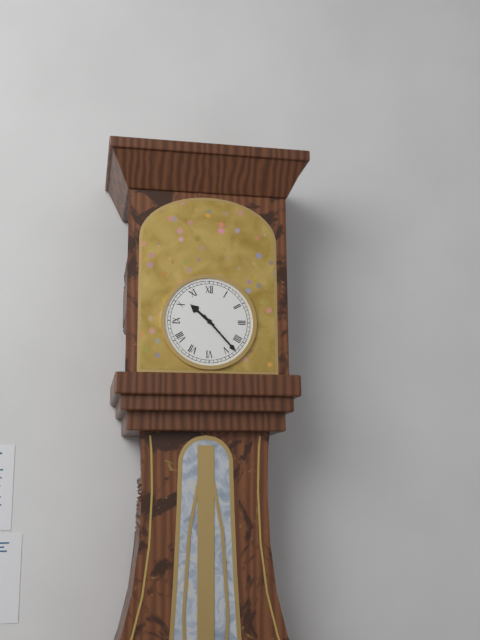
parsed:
10:23
